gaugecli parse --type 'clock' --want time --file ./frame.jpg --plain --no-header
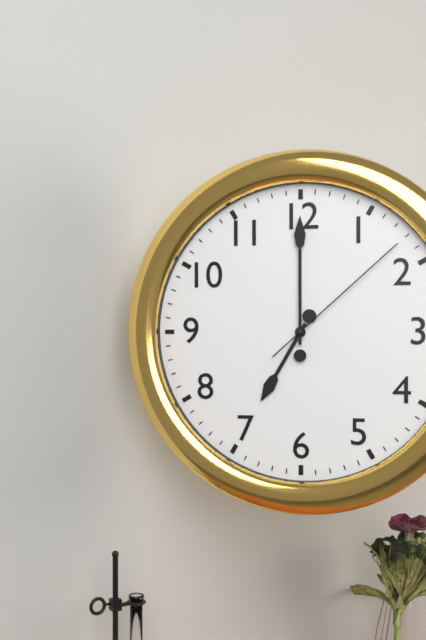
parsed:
7:00:08
